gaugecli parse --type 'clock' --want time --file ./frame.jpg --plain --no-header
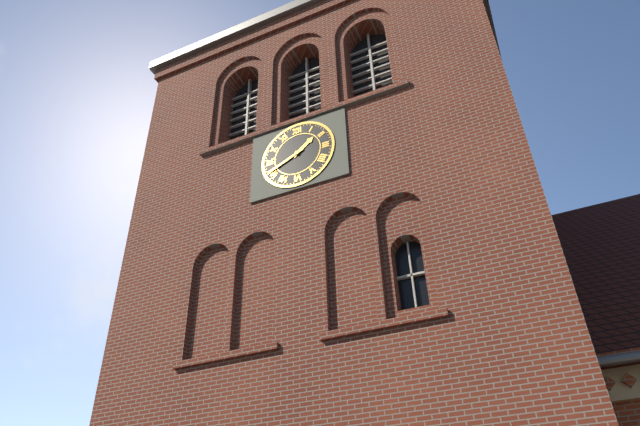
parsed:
1:41
